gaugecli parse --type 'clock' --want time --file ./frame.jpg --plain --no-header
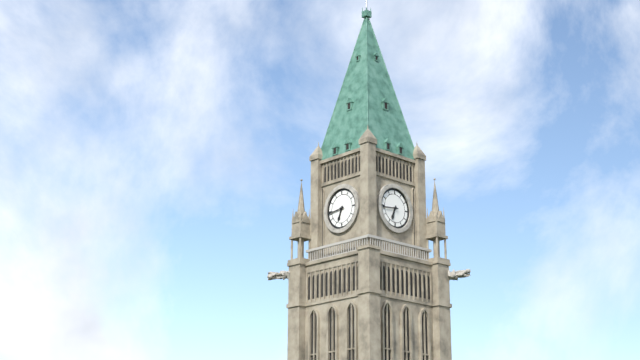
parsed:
6:44
